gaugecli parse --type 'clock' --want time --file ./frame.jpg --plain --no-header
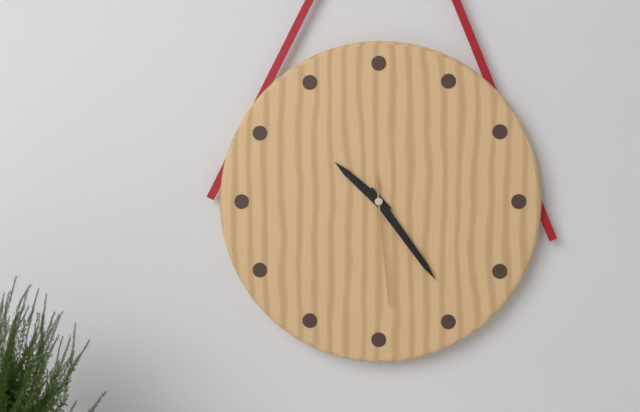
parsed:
10:24:29
